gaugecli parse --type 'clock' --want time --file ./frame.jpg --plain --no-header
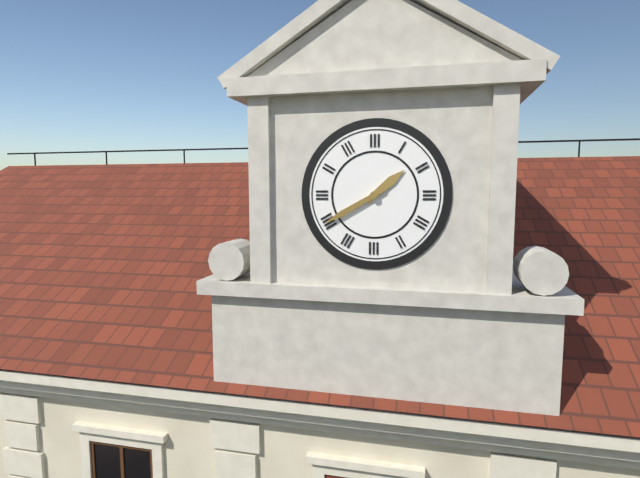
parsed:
1:40
